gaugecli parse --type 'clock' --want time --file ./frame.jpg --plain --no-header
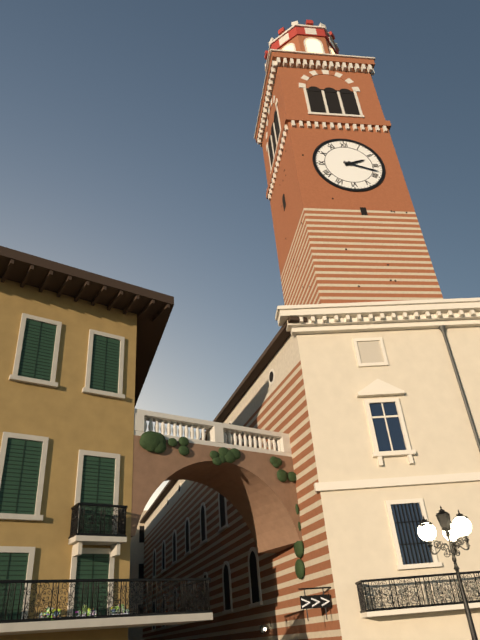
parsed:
2:18
